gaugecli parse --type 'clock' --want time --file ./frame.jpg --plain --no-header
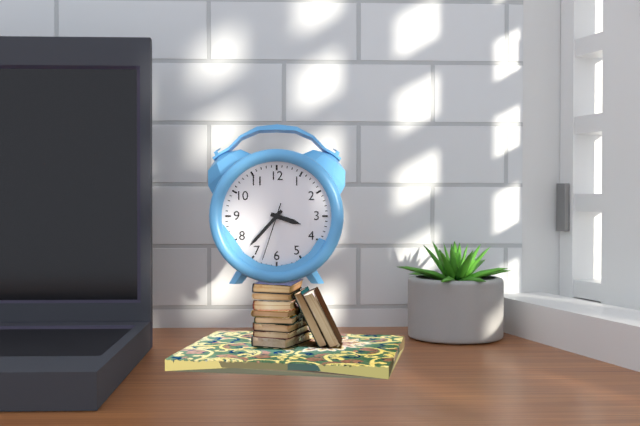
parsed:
3:37:33
